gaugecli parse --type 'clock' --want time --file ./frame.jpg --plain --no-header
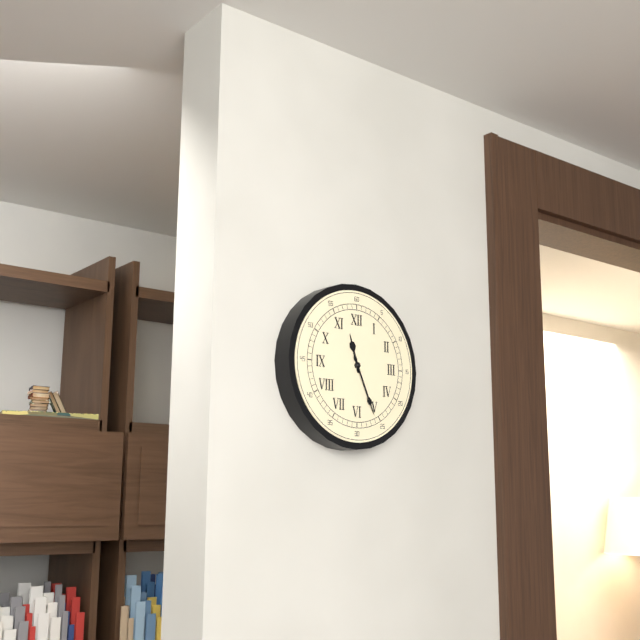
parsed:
11:26
